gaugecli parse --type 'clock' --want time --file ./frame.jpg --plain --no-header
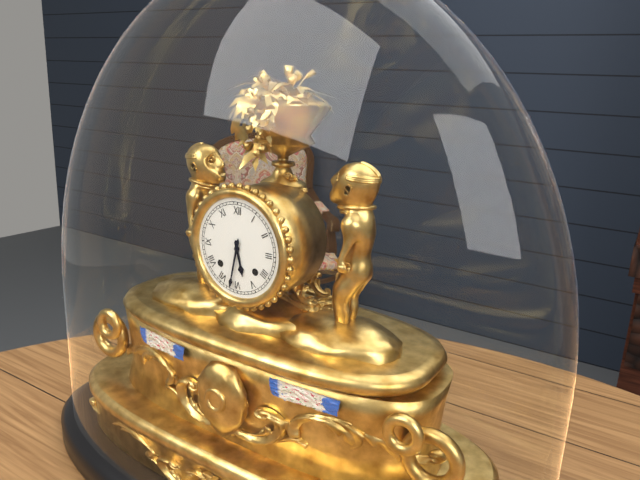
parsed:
5:32
